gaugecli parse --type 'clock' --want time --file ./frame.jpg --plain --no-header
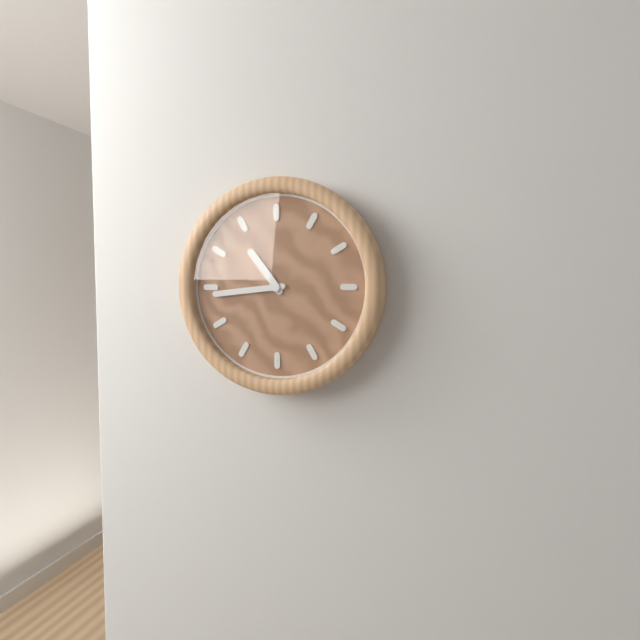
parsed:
10:44
